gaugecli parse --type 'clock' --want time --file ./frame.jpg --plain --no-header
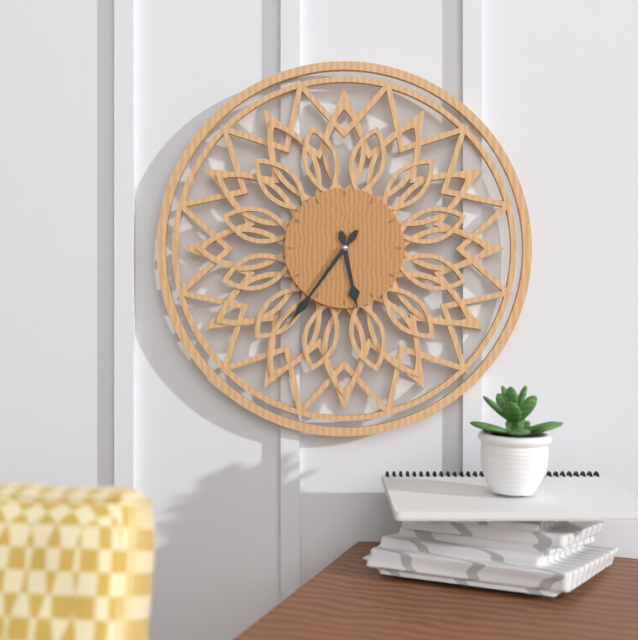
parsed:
5:36
